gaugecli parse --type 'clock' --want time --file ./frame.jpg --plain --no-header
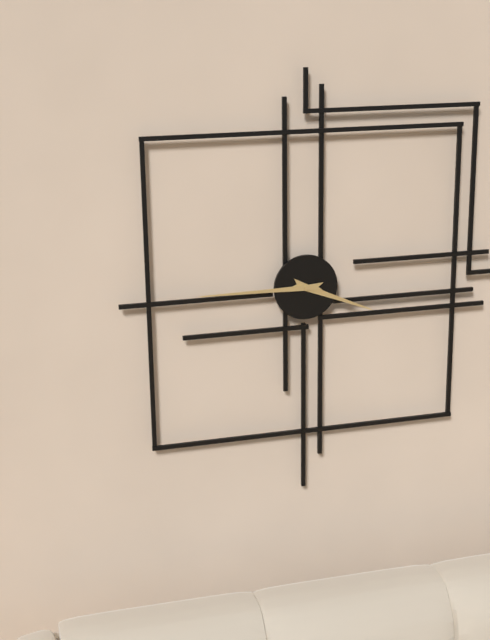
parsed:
3:45
